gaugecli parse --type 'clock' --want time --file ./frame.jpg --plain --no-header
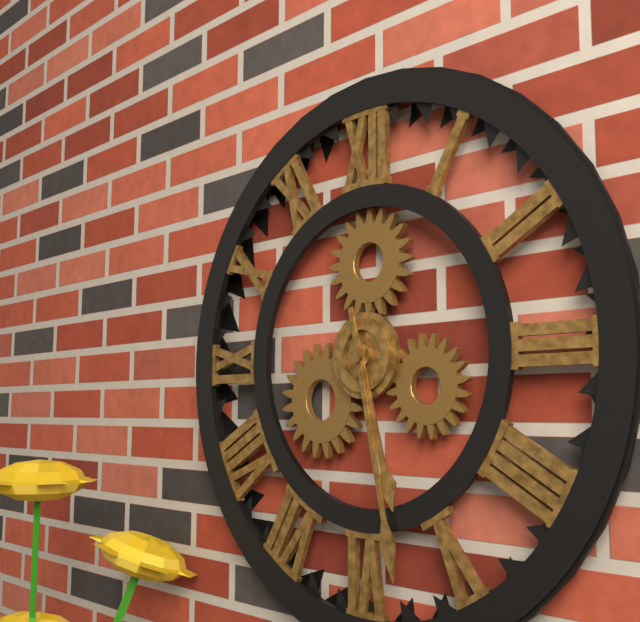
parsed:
5:28
